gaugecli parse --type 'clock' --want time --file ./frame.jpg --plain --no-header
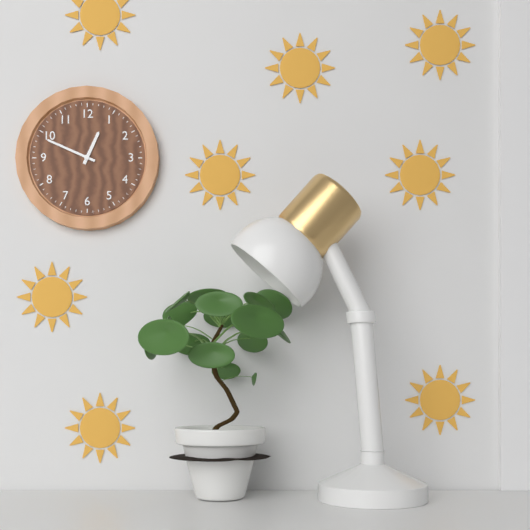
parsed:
12:49
